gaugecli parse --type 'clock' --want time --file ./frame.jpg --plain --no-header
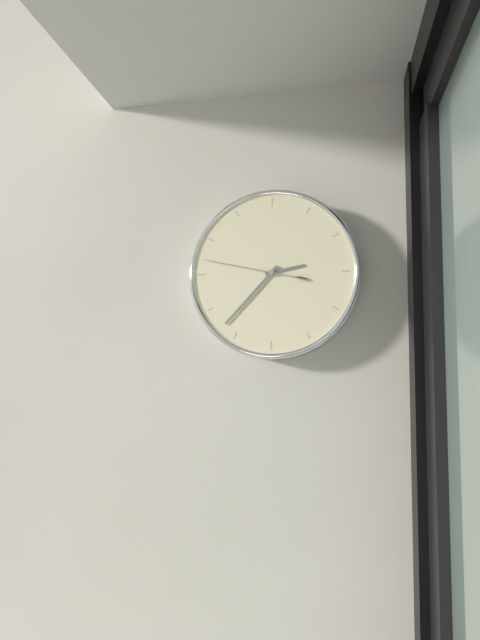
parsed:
2:37:47
